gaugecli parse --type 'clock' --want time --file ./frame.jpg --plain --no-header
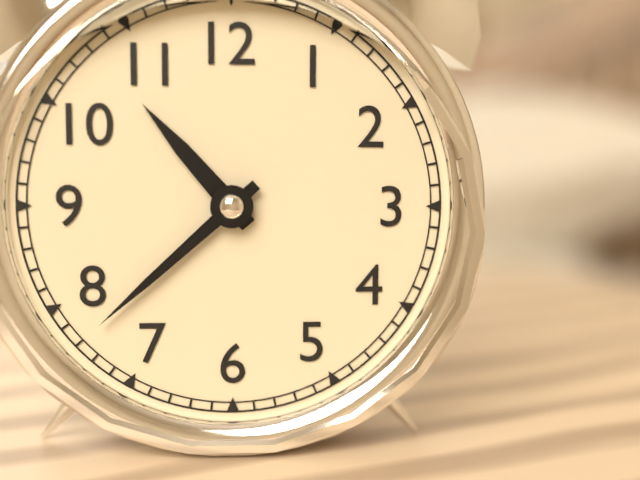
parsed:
10:38
